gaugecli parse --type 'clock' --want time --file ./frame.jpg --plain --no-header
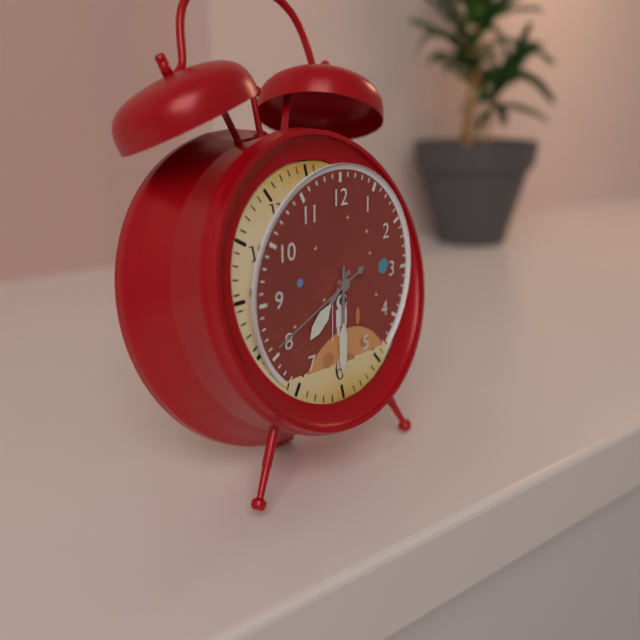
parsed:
7:30:41
